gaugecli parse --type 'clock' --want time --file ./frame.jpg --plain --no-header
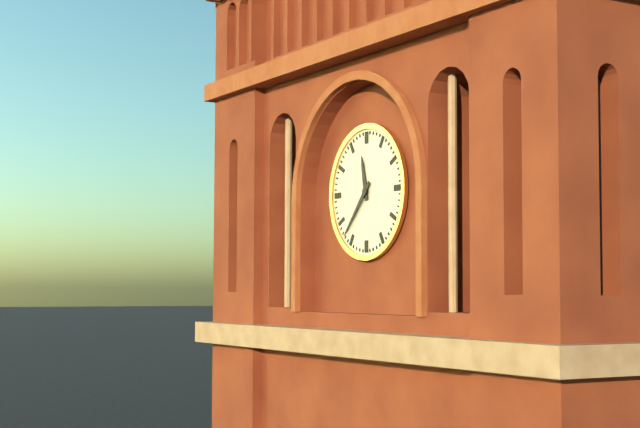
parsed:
11:37
